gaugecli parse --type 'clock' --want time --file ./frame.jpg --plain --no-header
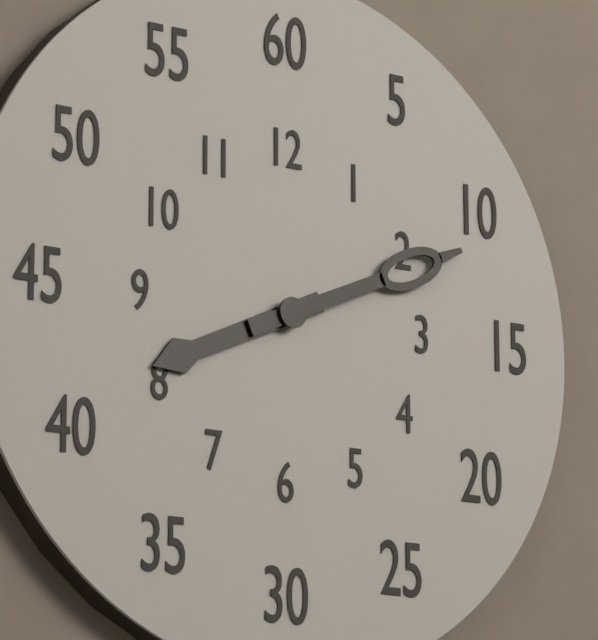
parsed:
8:11
